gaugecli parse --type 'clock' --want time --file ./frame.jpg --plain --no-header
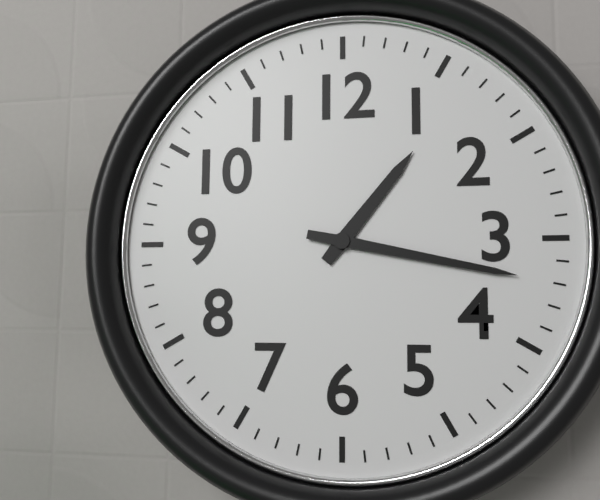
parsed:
1:17
